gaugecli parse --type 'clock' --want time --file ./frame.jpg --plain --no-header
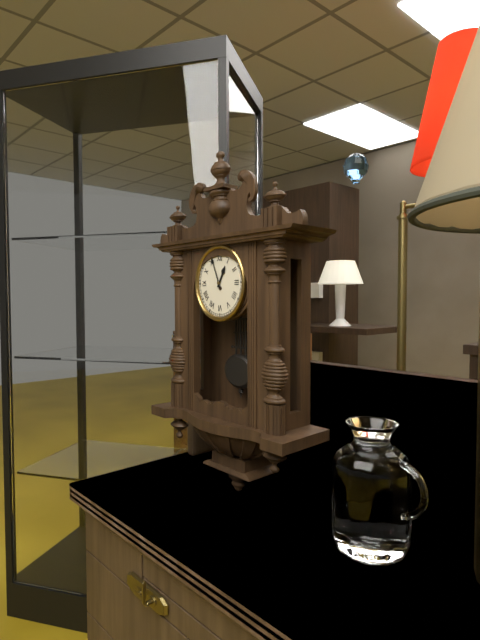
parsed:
12:56
